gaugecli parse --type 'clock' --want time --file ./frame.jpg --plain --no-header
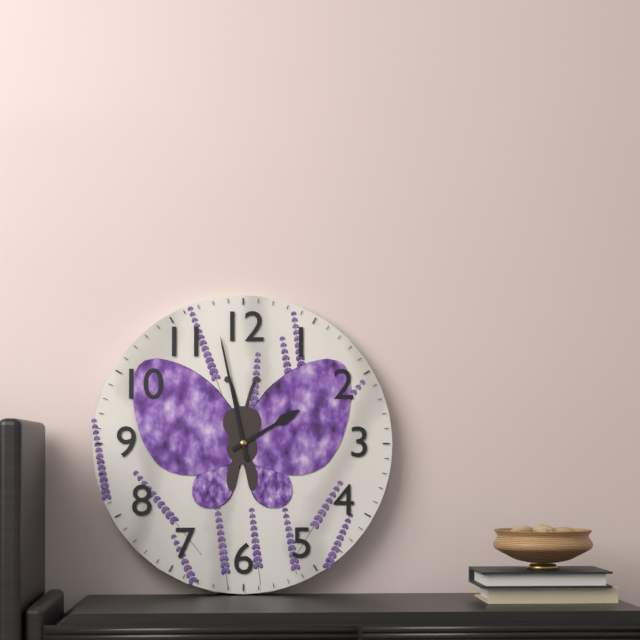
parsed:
1:58
